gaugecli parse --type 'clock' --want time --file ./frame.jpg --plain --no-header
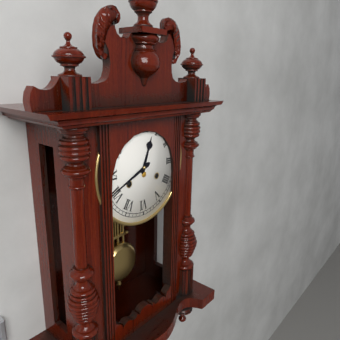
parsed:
12:41
